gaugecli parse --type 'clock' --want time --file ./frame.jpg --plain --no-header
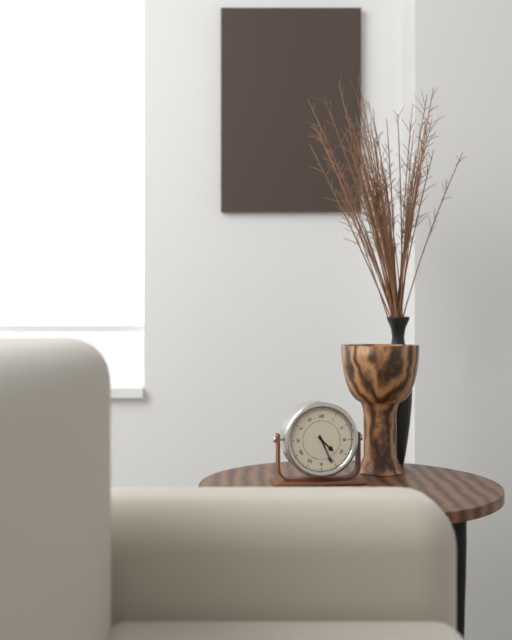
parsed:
4:26
